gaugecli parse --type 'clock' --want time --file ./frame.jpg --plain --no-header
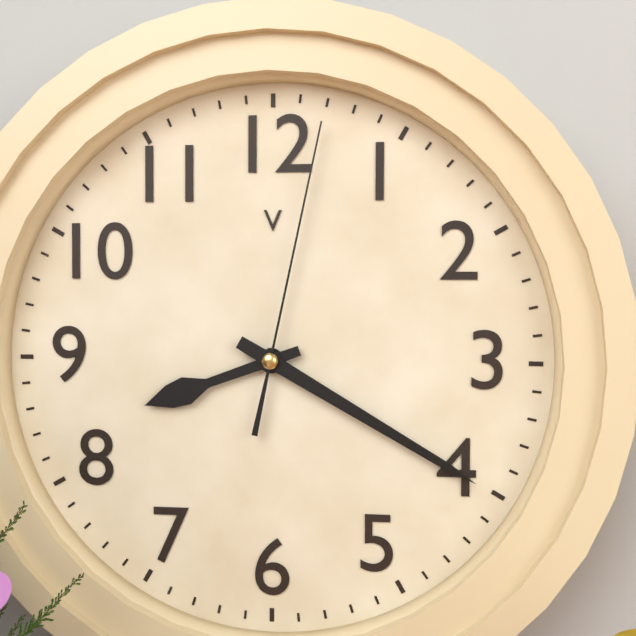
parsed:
8:20:02
